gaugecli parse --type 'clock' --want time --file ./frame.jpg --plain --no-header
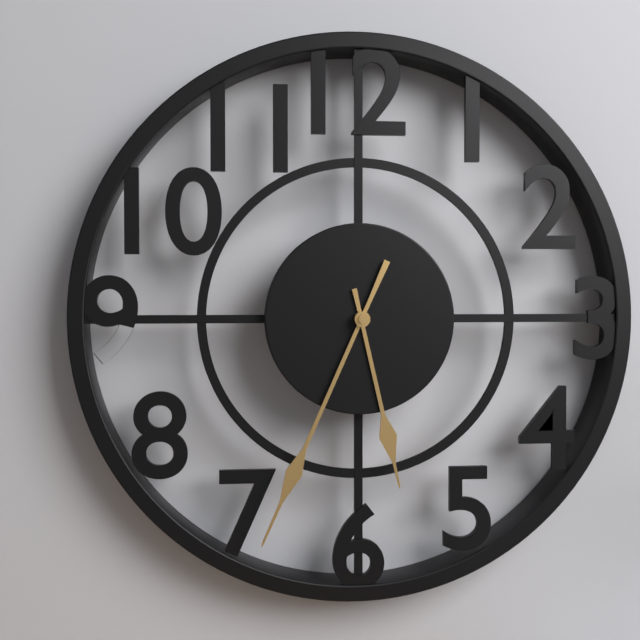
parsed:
5:34
